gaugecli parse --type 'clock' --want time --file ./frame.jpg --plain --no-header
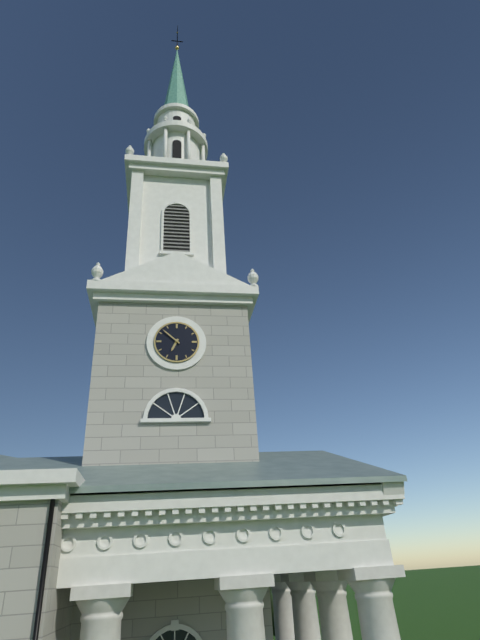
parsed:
6:52
